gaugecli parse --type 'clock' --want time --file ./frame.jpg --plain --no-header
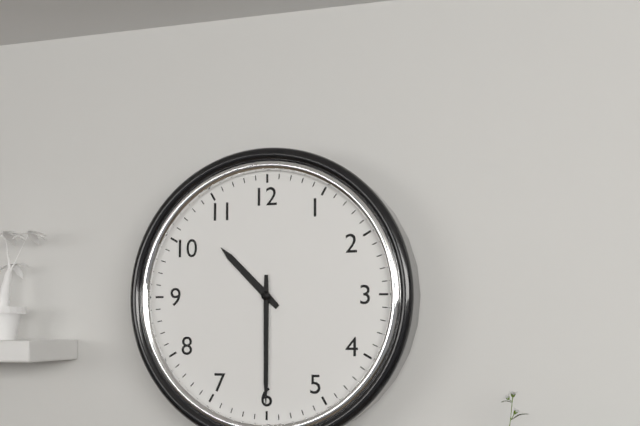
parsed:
10:30
